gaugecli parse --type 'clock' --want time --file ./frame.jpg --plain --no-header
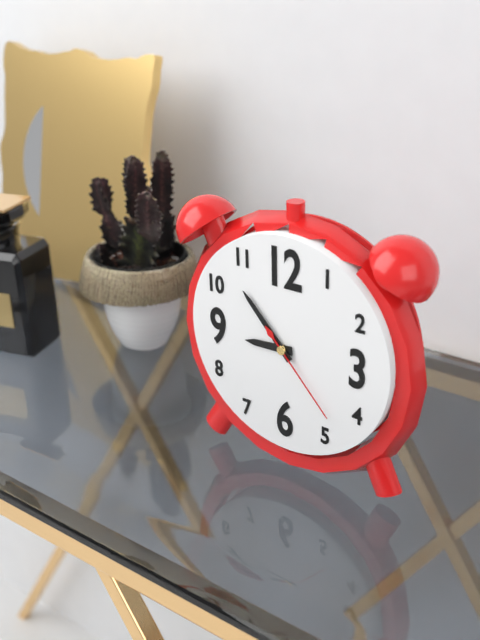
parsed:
8:53:23
